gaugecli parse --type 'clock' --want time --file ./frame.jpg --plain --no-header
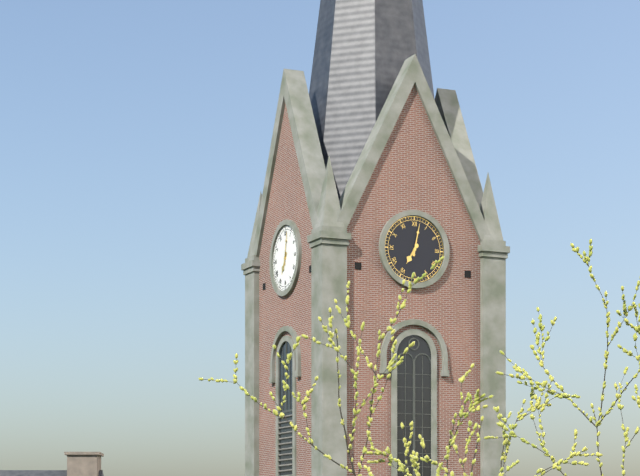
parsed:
7:02
